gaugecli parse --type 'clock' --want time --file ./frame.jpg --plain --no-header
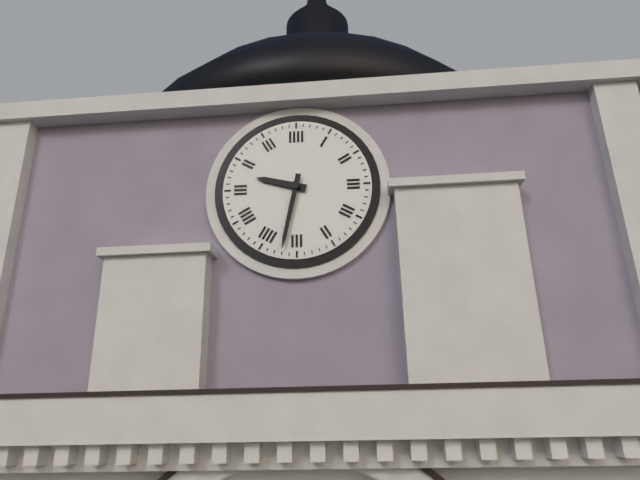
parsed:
9:32
